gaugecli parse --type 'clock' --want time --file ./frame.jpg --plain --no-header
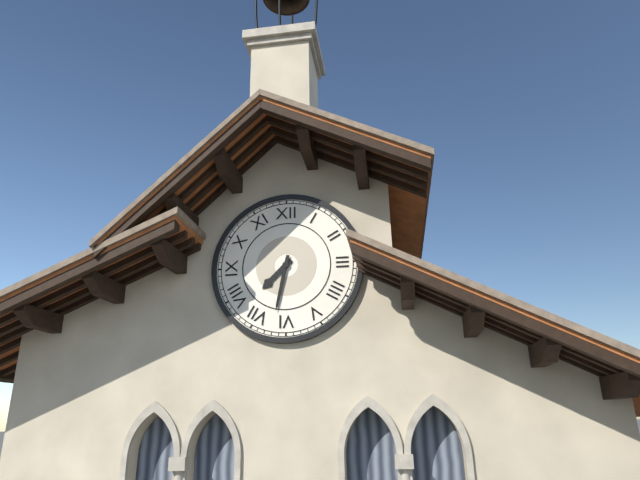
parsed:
7:32
